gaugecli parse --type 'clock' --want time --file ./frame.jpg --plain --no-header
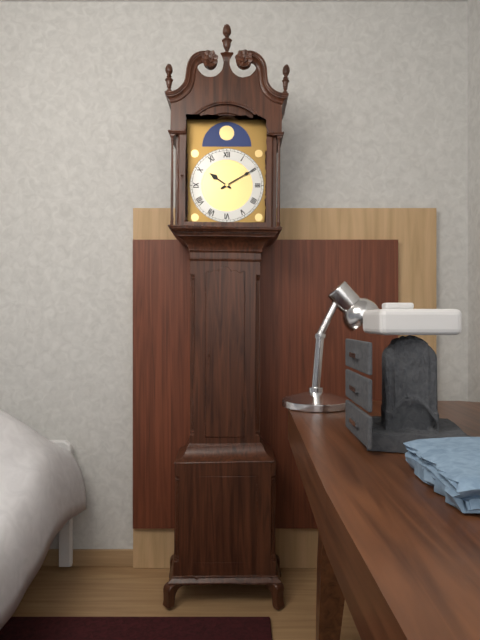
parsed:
10:10
